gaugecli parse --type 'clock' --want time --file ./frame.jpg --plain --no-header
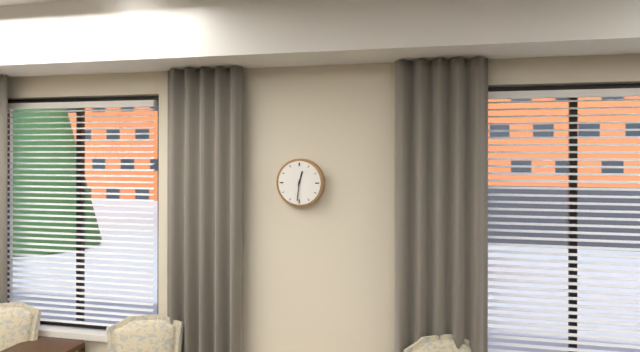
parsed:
12:31
